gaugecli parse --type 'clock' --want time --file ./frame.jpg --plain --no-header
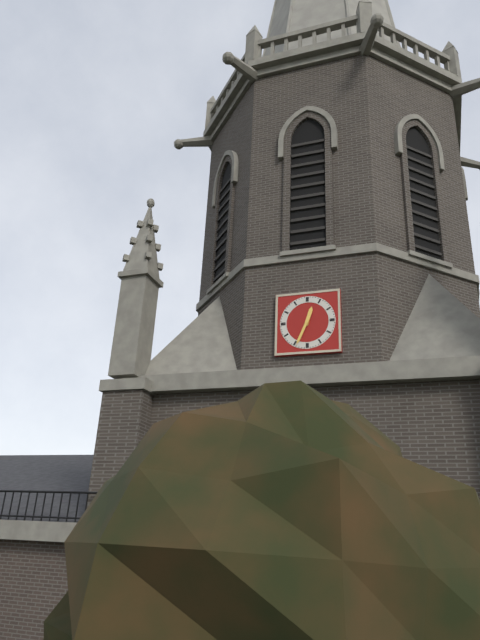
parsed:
12:34
